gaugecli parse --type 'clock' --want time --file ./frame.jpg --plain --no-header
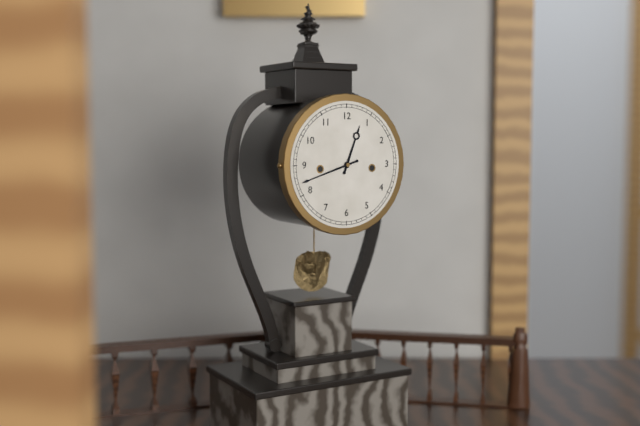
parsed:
12:42
